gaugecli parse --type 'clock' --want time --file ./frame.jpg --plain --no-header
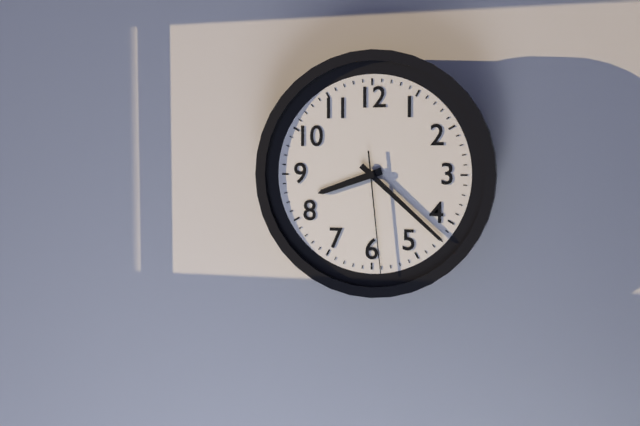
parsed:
8:22:29
